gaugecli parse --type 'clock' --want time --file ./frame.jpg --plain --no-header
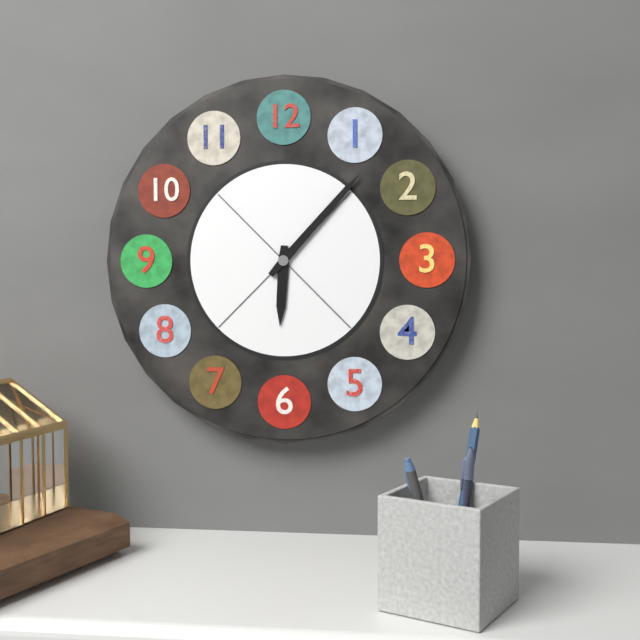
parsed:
6:07
